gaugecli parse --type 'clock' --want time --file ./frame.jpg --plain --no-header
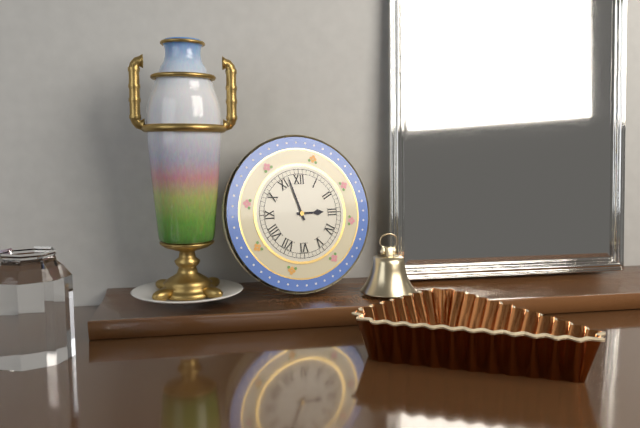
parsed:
2:57
